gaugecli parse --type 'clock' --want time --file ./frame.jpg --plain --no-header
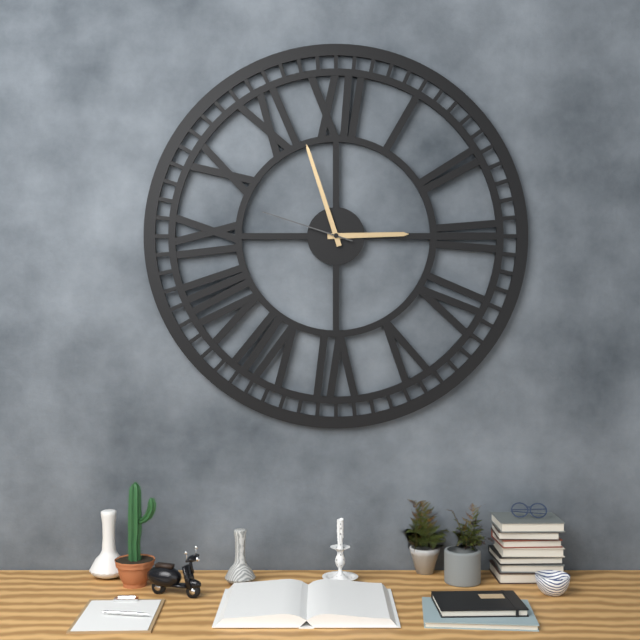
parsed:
2:57:48
